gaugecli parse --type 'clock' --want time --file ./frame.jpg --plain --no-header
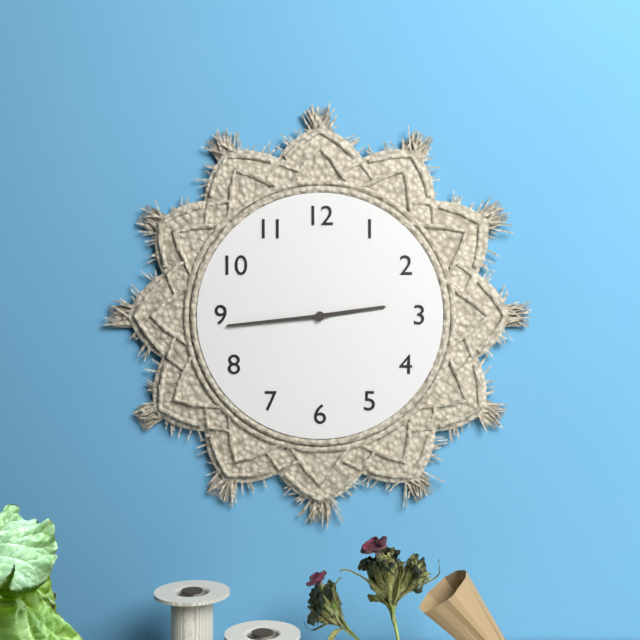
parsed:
2:44
